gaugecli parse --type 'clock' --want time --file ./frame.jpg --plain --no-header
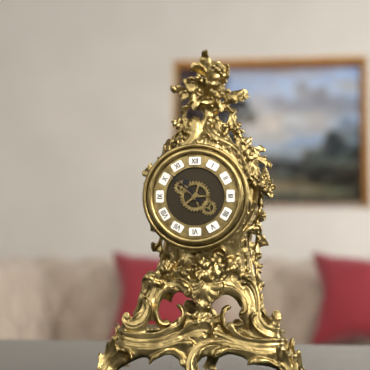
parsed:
10:52
